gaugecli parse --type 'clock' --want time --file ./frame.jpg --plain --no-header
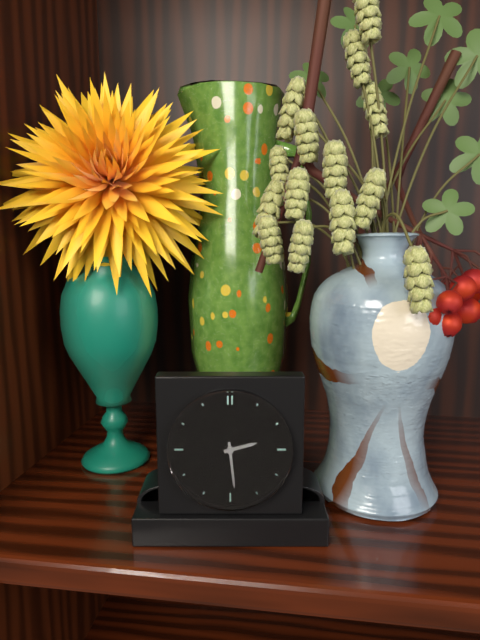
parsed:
2:29
